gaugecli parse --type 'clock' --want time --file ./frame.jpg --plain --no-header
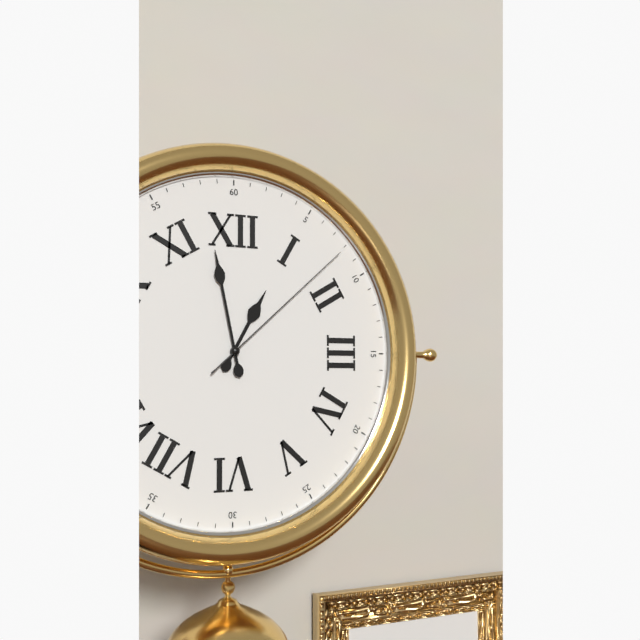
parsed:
12:58:08
